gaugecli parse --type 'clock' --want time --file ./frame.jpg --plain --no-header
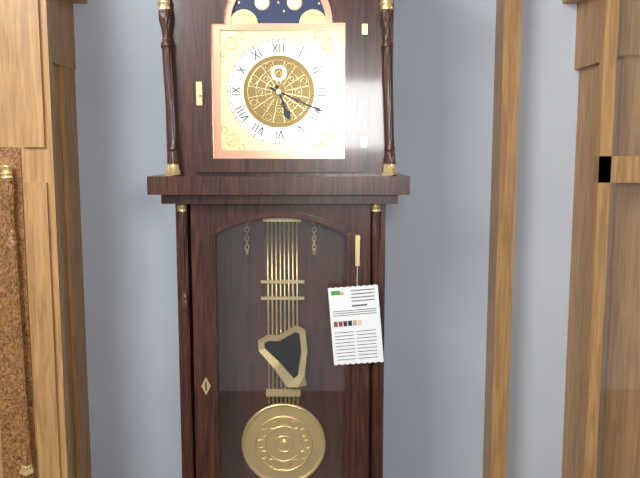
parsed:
5:19
